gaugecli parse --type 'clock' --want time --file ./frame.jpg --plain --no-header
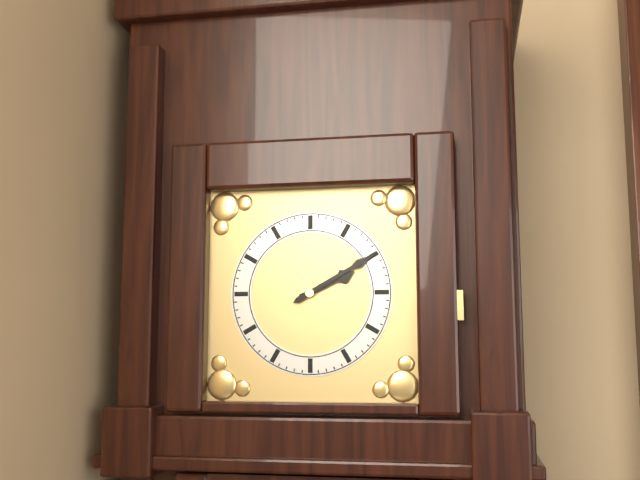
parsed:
2:10
